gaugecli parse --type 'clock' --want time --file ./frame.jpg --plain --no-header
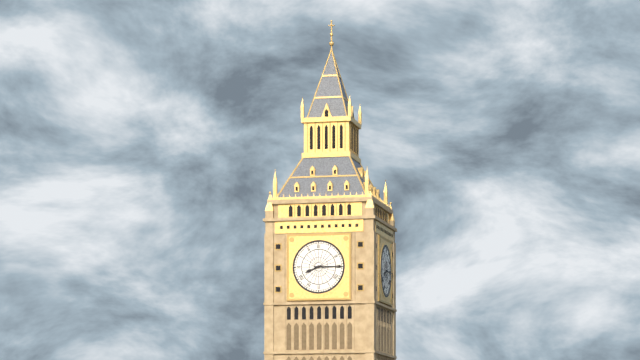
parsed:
8:15
